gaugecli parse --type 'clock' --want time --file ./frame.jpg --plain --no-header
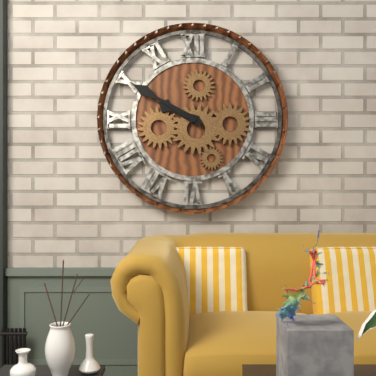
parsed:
9:50
